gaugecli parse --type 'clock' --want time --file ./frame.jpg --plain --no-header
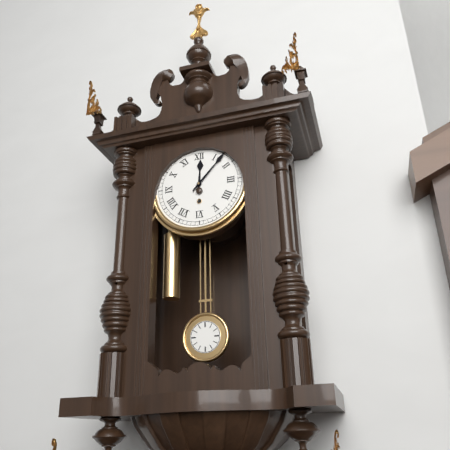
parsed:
12:07
